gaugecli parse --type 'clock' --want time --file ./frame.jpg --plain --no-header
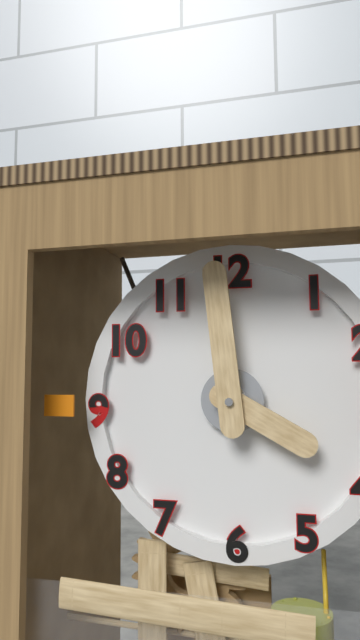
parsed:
3:59
